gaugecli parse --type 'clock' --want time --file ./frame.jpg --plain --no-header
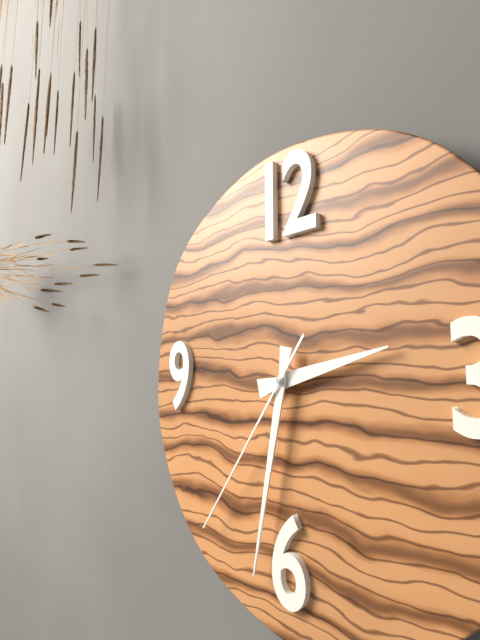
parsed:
2:32:36
